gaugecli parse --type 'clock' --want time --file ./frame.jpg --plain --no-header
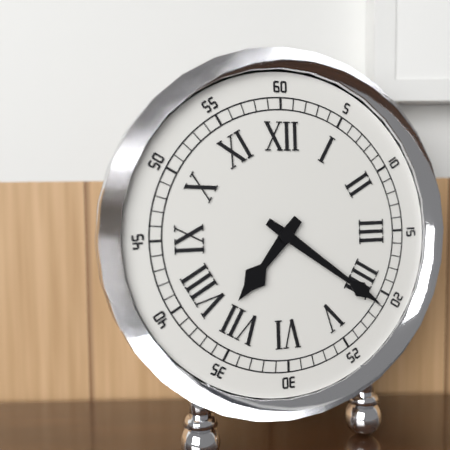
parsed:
7:21
